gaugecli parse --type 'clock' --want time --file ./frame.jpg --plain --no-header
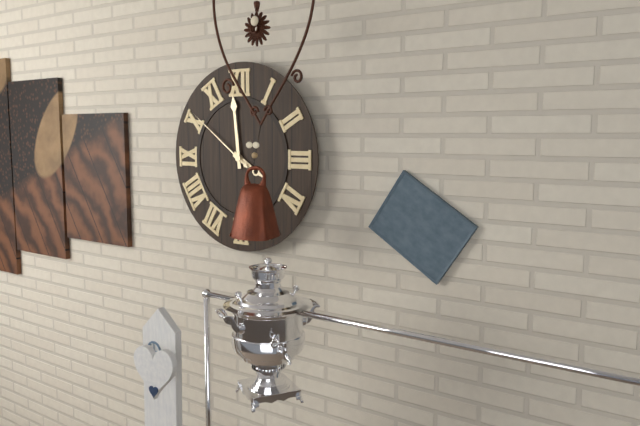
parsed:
3:59:51
